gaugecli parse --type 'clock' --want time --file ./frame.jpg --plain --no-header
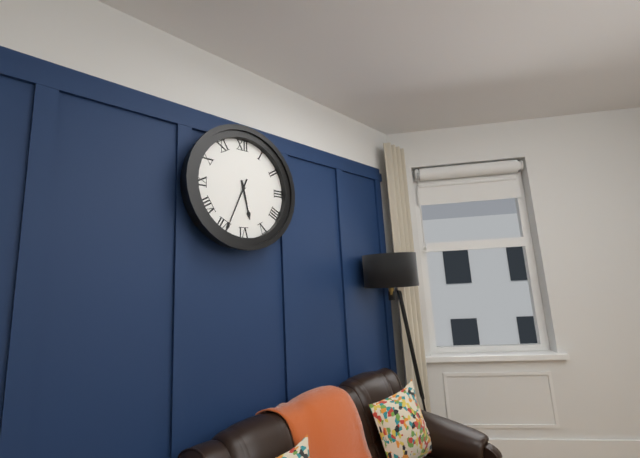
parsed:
5:34
